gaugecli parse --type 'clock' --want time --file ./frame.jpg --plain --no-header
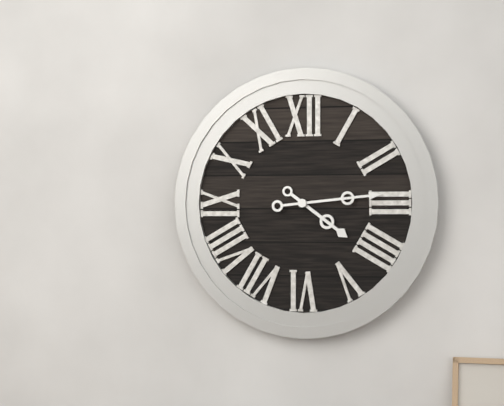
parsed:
4:14
